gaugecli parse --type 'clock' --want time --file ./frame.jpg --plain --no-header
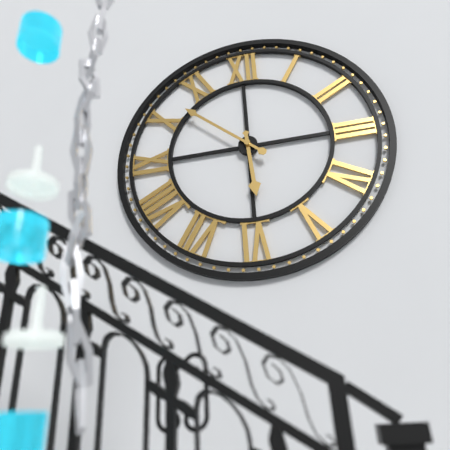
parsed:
5:52
